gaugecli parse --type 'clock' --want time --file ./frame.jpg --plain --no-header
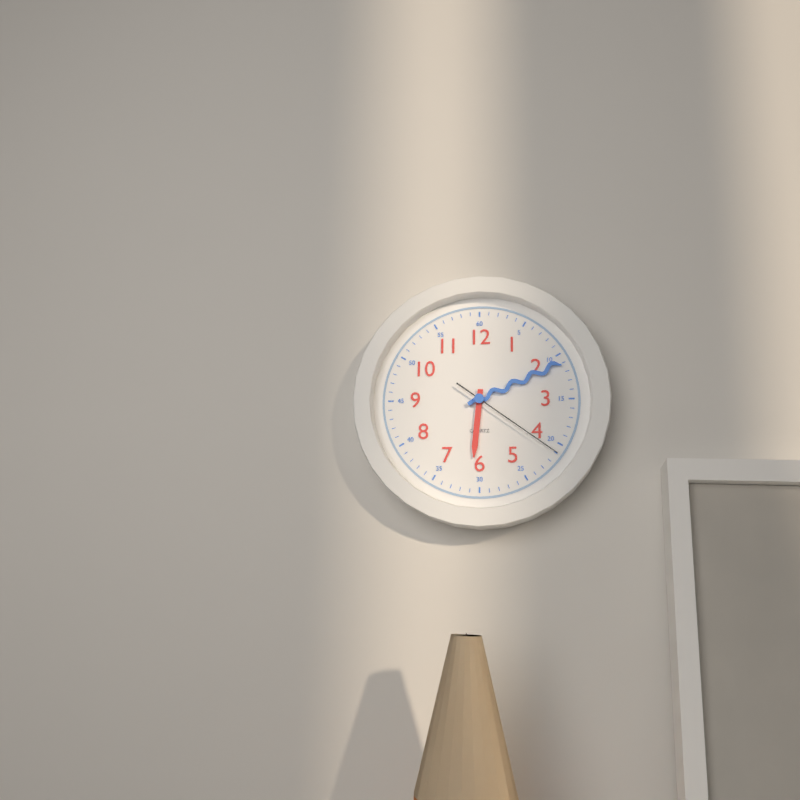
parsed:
6:11:21
